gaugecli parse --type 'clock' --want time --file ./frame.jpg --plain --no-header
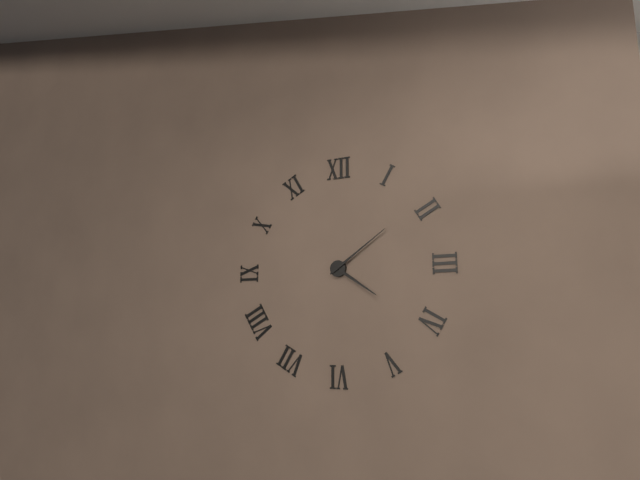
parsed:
4:09
